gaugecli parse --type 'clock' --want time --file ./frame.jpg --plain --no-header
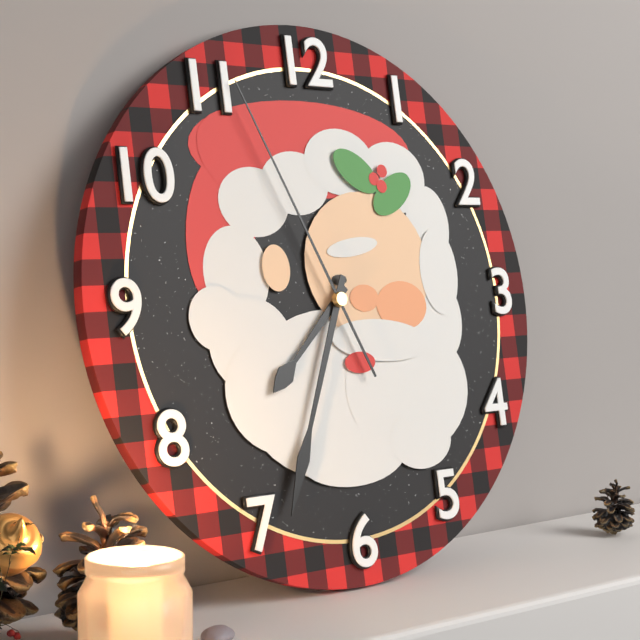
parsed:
7:34:56
